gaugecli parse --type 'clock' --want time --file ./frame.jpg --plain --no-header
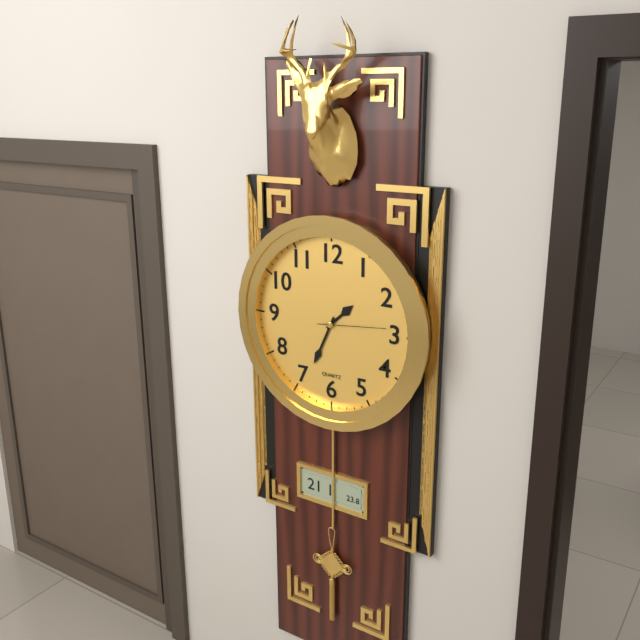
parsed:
1:34:14
